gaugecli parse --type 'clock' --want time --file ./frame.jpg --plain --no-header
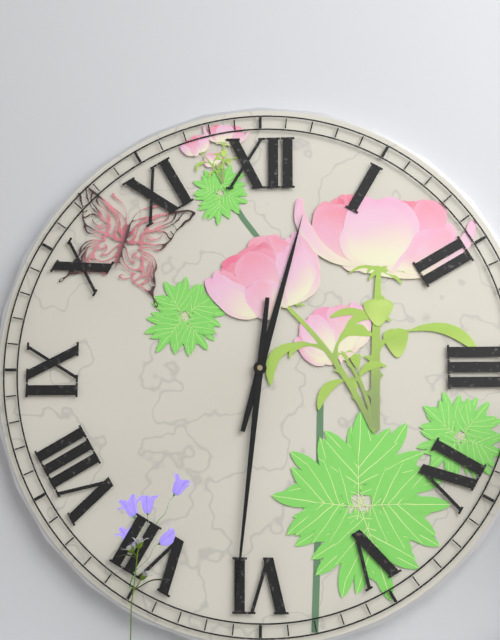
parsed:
12:31
